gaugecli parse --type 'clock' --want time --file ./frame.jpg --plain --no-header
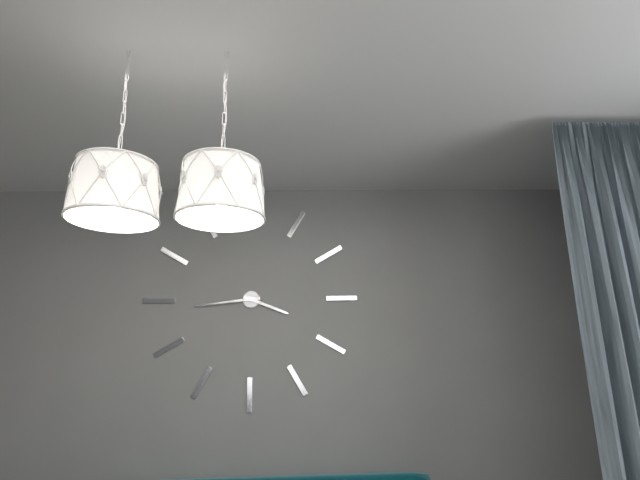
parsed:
3:44
